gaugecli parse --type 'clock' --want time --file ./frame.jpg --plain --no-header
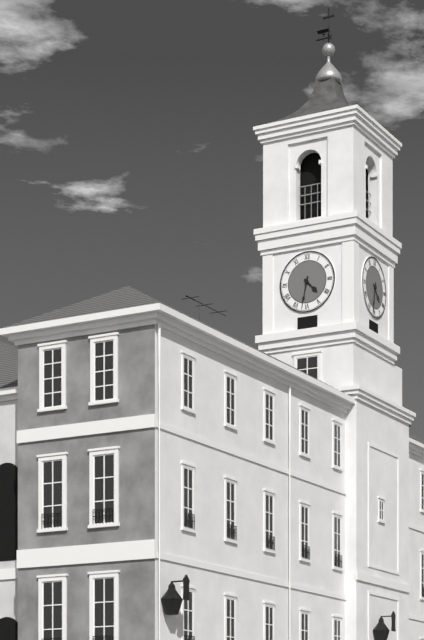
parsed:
4:32
